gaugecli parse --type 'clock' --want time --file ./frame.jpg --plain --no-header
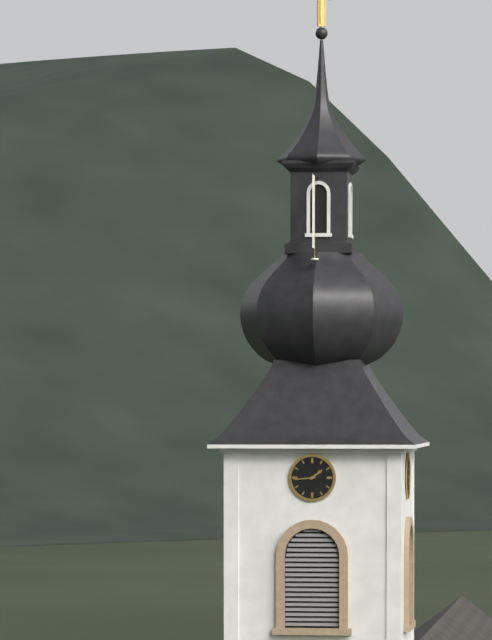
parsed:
1:44
